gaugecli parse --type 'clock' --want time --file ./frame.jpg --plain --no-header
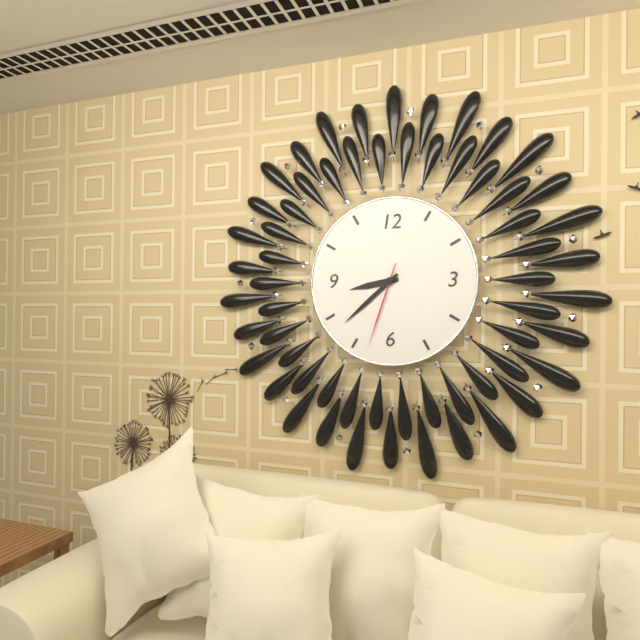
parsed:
8:38:33
